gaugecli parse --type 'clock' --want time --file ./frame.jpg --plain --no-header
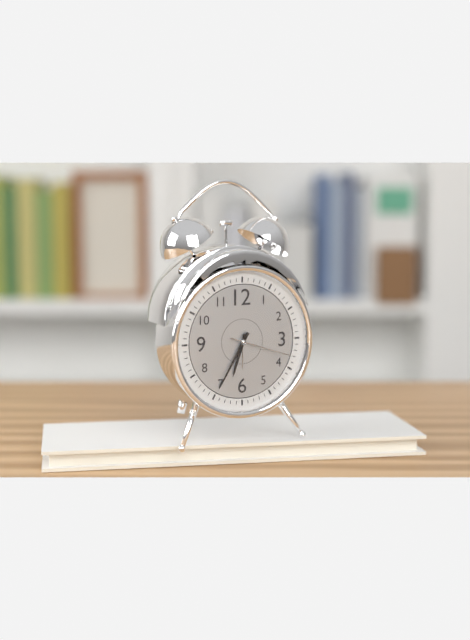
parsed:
6:35:18
